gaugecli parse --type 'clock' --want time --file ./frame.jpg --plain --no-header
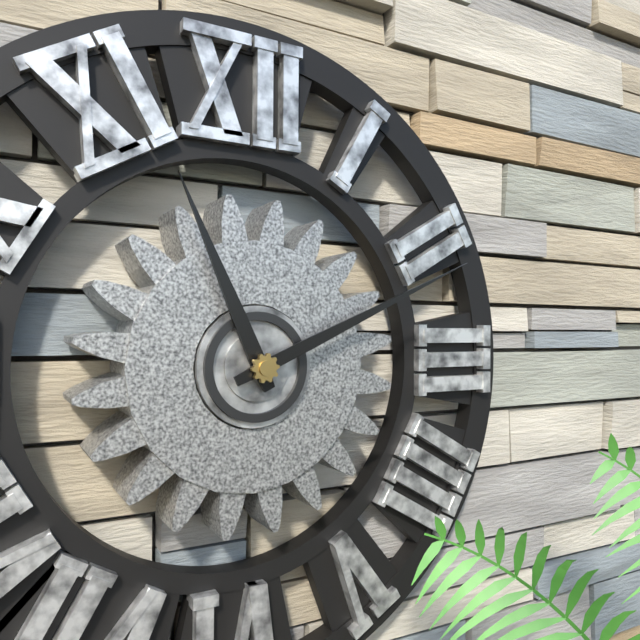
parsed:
11:11
